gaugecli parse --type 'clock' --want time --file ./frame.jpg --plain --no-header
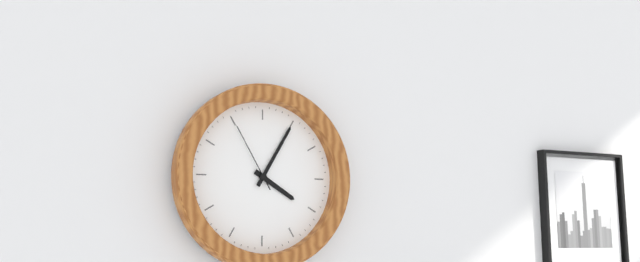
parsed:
4:05:55
